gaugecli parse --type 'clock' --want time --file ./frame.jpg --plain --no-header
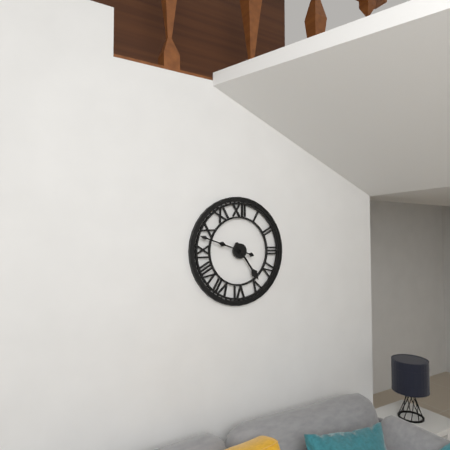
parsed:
4:48
